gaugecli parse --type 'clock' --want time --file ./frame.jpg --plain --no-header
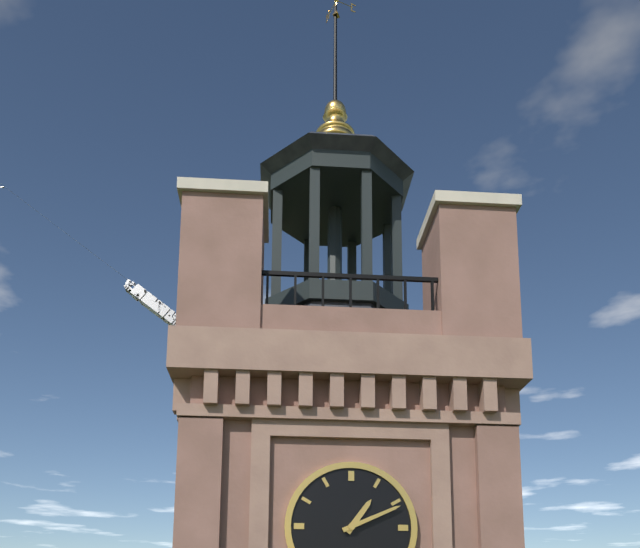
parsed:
1:11
